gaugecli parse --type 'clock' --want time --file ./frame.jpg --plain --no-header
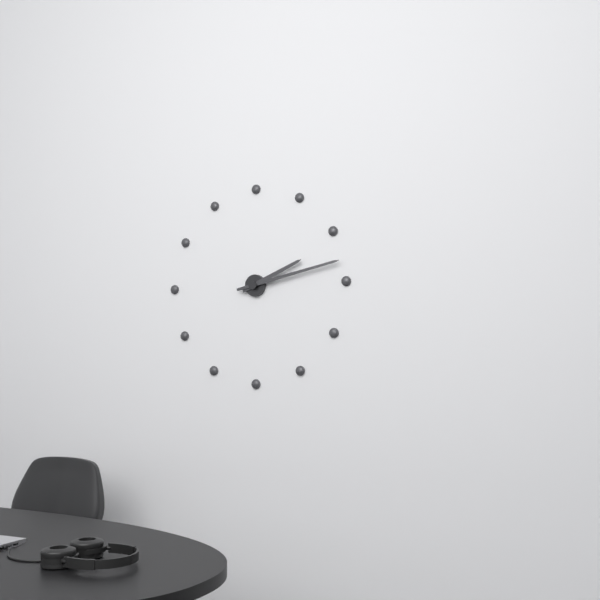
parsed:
2:13
